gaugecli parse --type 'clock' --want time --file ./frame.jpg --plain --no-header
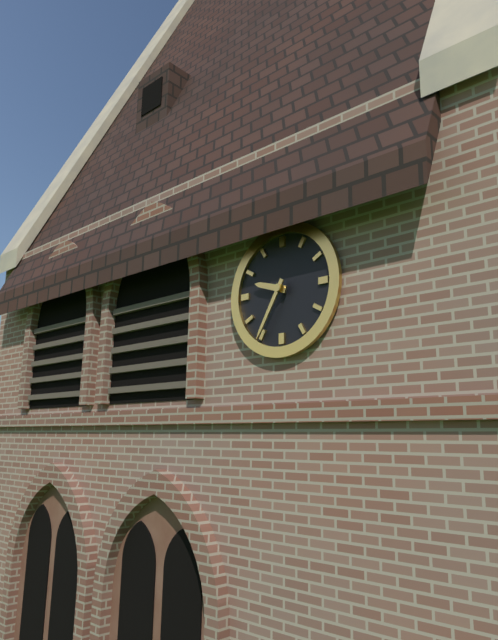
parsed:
9:35
